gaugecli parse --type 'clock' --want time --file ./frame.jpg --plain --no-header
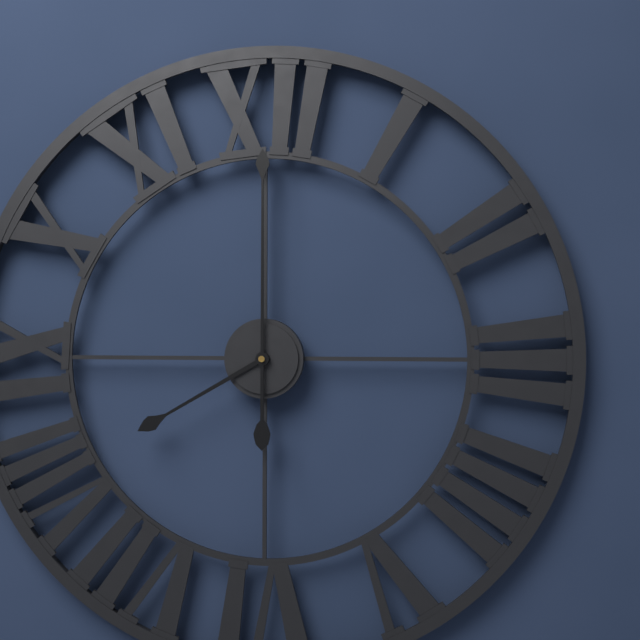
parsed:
8:00
